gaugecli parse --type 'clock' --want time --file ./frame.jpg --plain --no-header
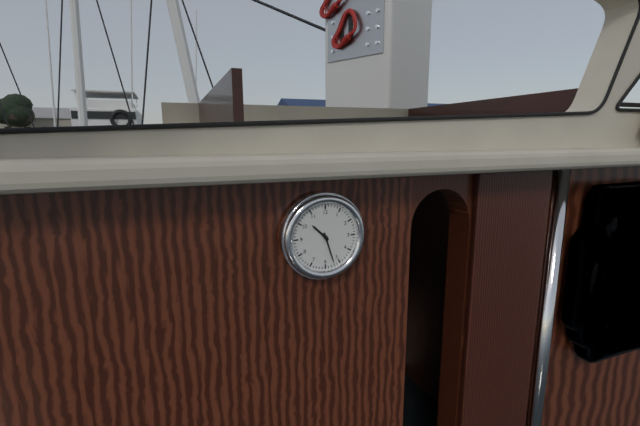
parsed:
10:27
